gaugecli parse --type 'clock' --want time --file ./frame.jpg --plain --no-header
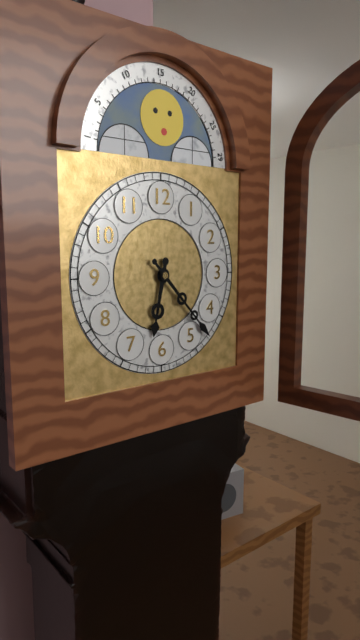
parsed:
6:23
